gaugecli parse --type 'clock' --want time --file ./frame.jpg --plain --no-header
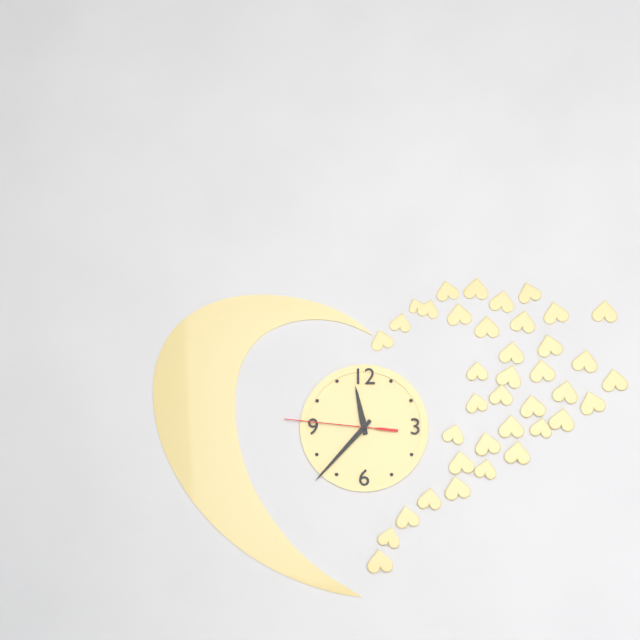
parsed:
11:37:46
